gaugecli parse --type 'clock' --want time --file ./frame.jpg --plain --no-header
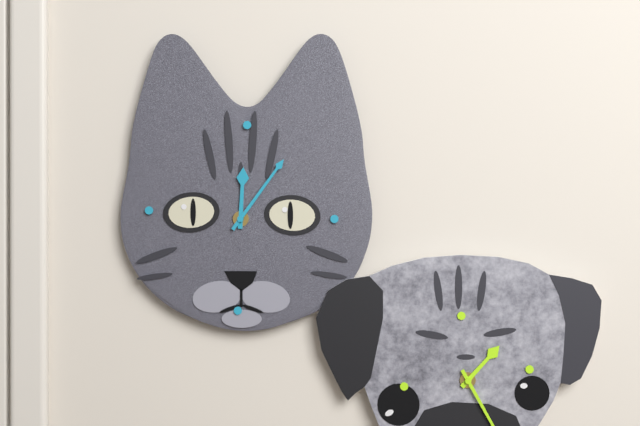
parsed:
12:06
